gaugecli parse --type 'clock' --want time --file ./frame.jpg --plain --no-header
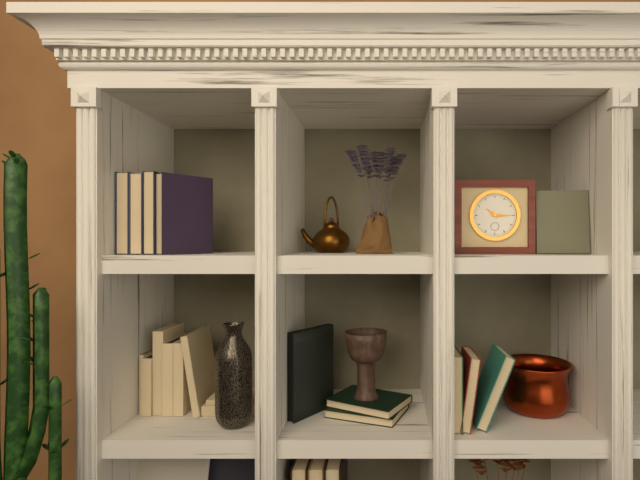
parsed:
10:15
